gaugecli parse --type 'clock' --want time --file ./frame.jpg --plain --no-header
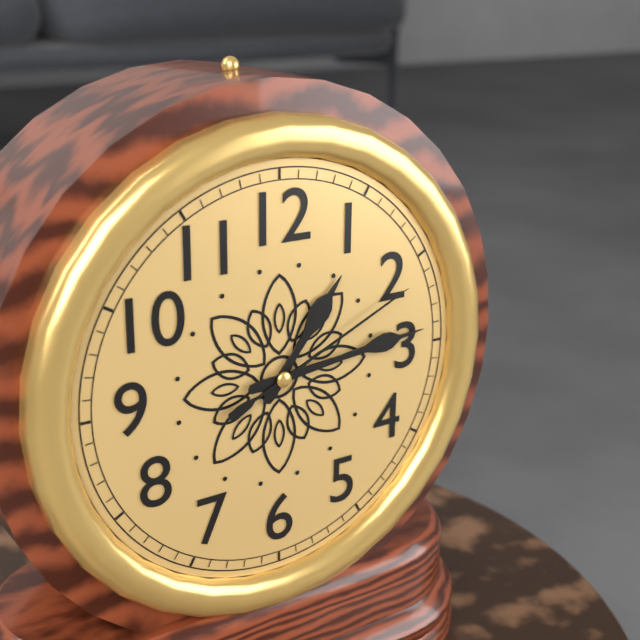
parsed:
1:14:11
